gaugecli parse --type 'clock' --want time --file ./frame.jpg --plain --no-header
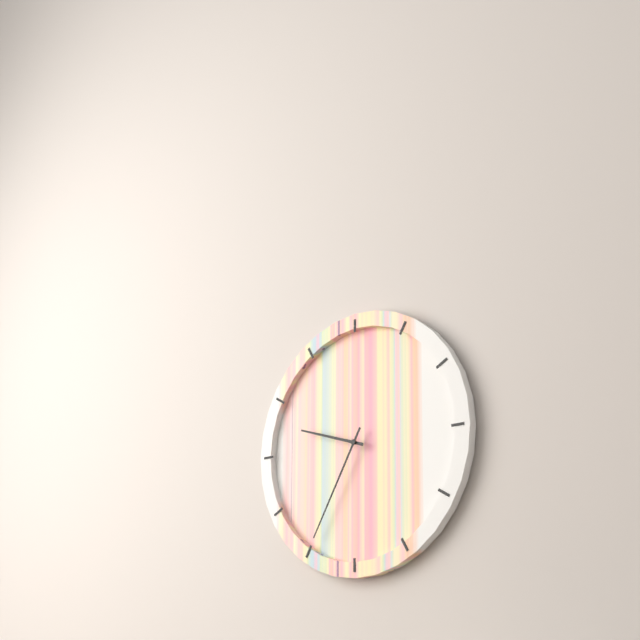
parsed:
9:35
